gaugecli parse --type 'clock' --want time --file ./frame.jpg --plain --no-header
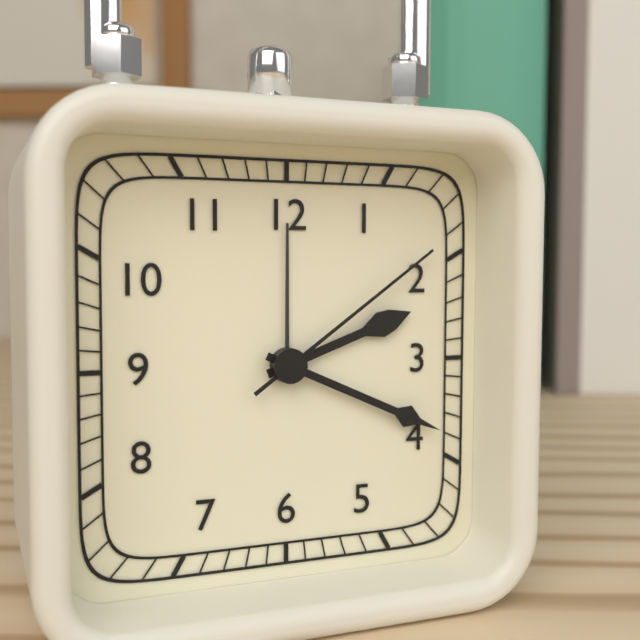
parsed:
2:19:09
